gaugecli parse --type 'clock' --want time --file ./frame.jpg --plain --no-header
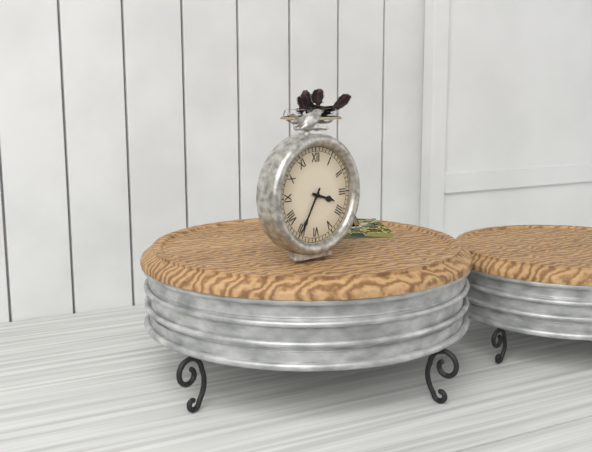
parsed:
3:35
